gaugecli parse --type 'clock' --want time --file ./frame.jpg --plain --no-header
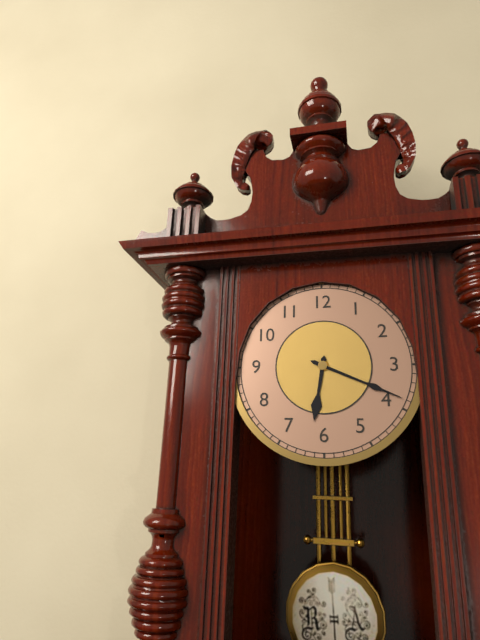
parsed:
6:19
